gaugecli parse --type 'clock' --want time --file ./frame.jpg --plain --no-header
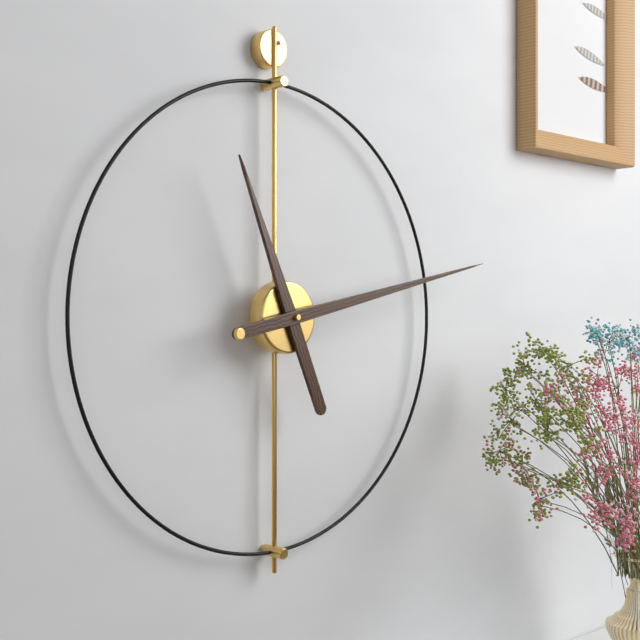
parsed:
11:13
